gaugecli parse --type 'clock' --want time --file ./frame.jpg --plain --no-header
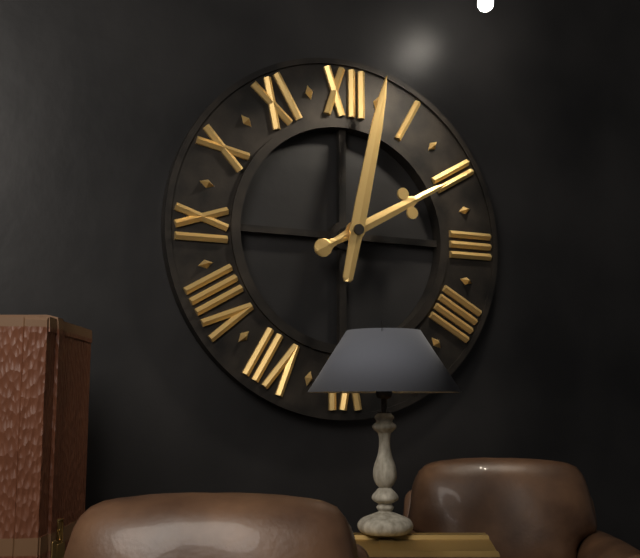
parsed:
2:02
